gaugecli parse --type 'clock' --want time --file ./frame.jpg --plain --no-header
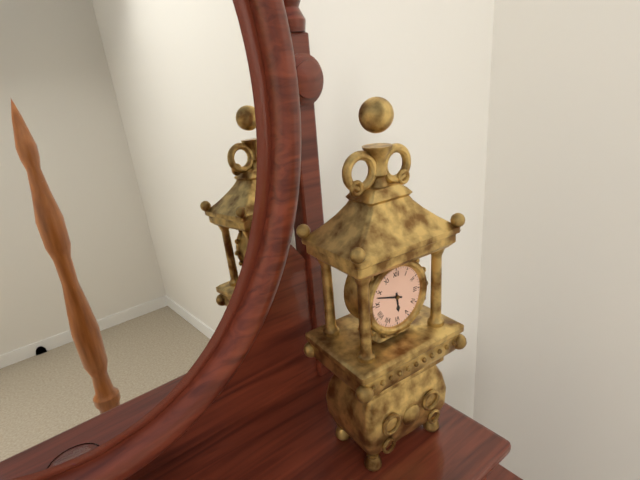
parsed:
5:48
